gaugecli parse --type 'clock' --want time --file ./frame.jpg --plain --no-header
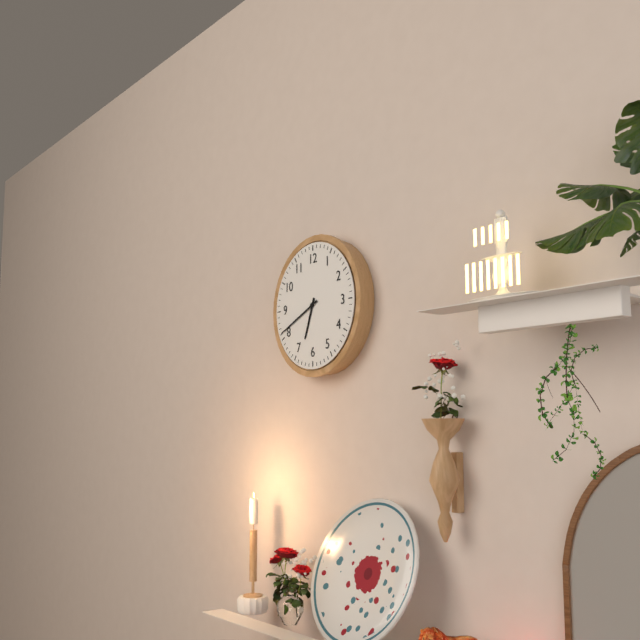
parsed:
6:41
